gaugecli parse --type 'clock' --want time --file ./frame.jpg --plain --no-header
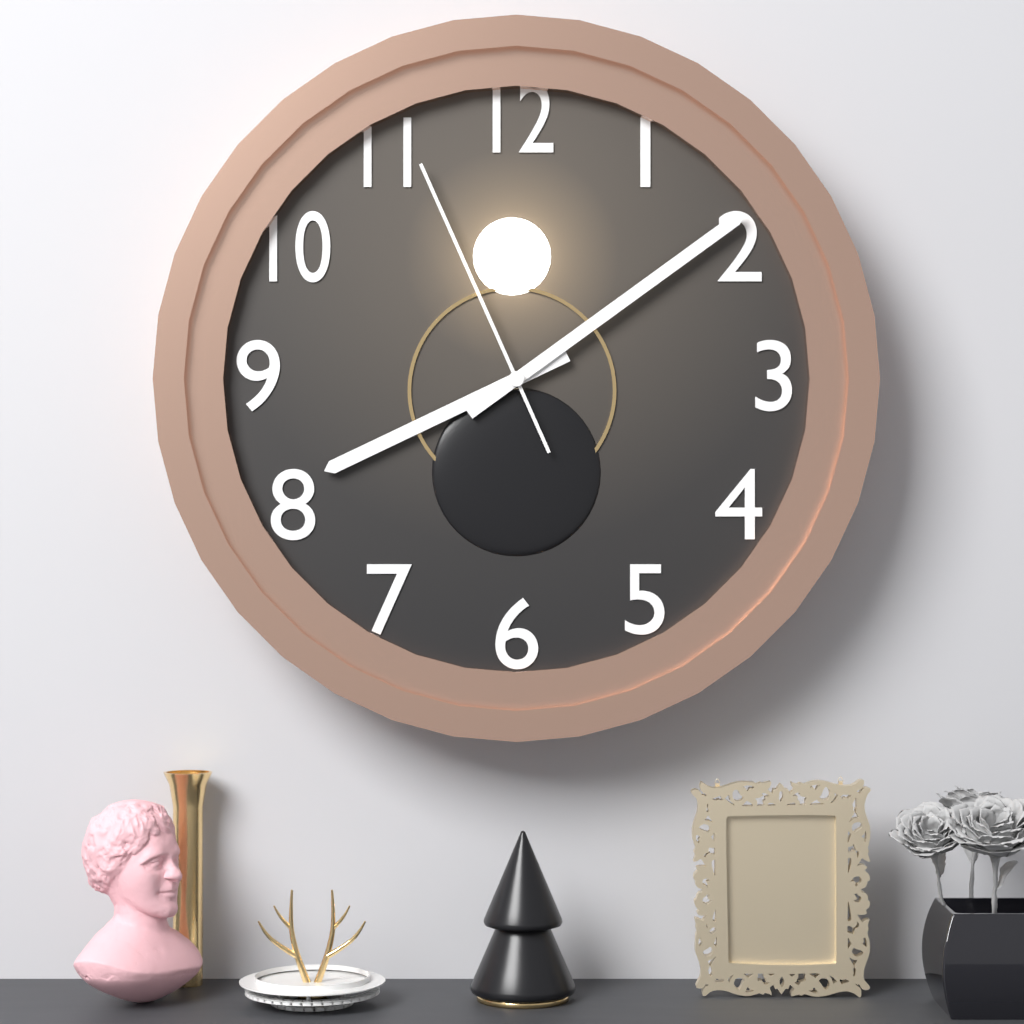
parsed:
8:09:56
